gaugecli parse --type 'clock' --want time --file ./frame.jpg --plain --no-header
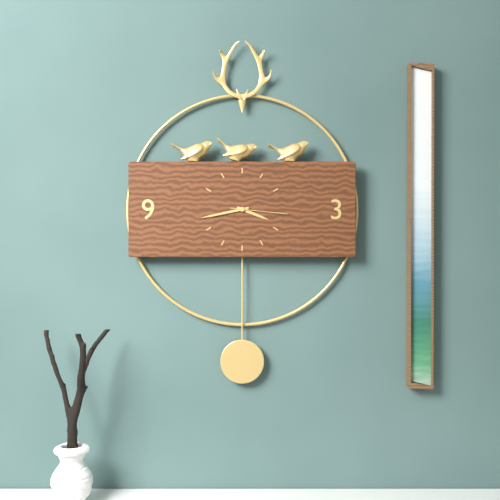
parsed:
3:43:16
